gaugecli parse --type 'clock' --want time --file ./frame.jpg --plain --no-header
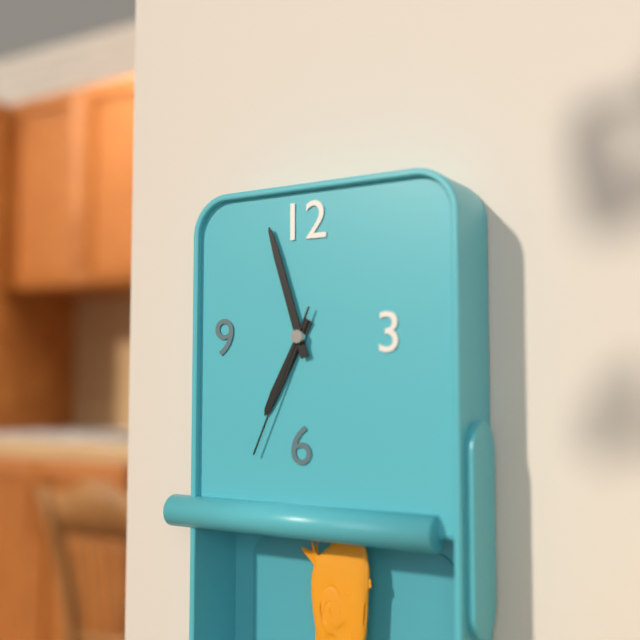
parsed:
6:57:34
